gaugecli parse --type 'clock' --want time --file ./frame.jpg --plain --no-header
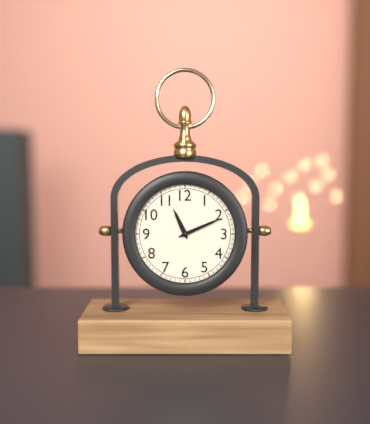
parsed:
11:11
